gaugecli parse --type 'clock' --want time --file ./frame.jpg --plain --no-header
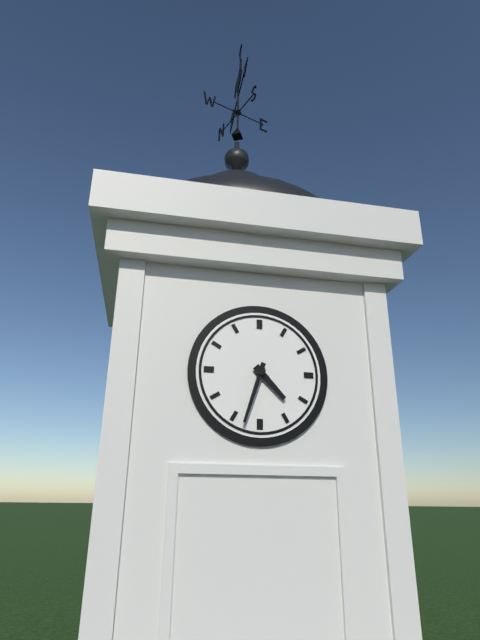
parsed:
4:33
